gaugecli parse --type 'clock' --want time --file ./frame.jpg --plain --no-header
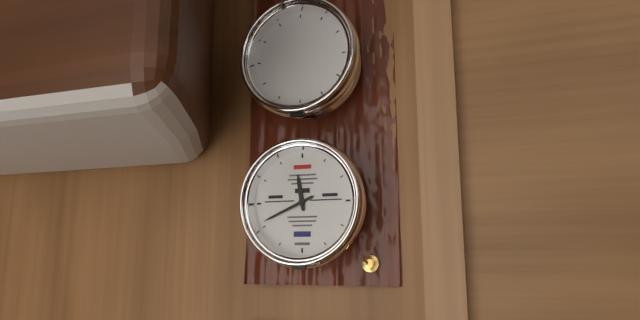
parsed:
11:41
